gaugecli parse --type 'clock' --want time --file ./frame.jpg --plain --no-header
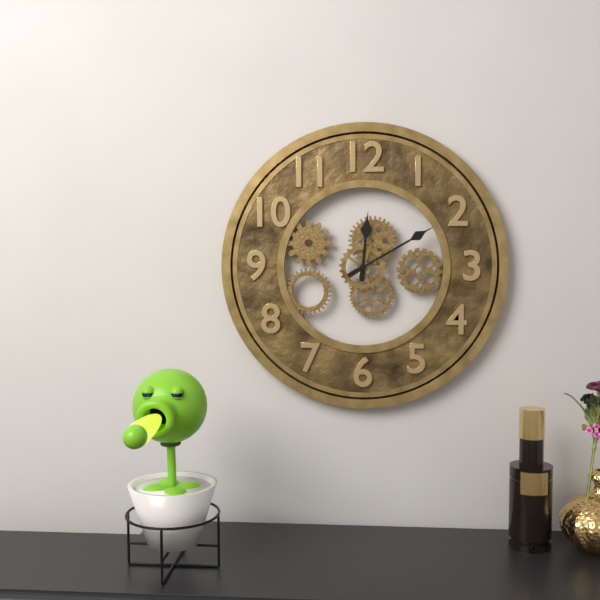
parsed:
12:10
